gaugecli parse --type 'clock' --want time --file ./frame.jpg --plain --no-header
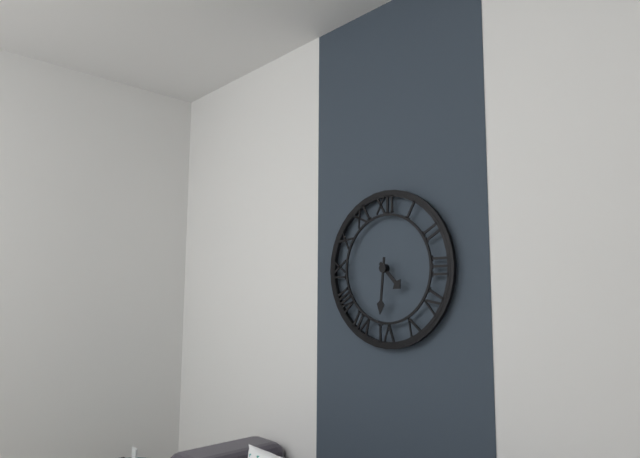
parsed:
4:31
